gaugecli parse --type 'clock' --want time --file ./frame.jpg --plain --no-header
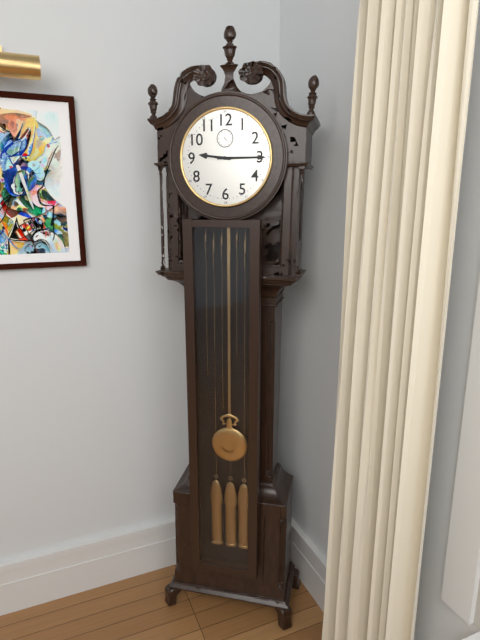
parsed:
9:15
